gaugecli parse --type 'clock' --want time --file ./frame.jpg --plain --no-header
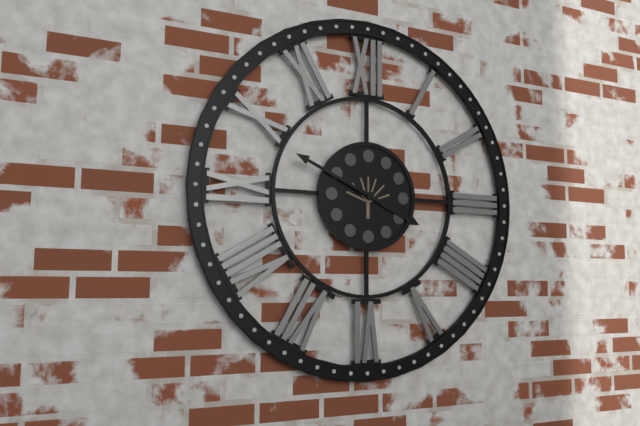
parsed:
3:49
